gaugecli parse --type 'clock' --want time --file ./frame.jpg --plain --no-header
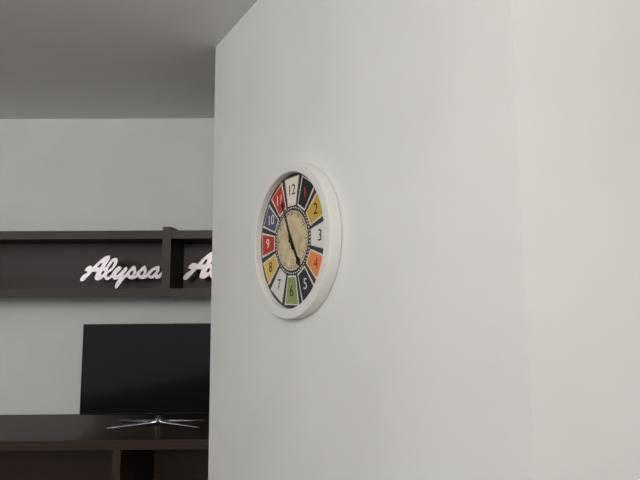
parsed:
4:56
